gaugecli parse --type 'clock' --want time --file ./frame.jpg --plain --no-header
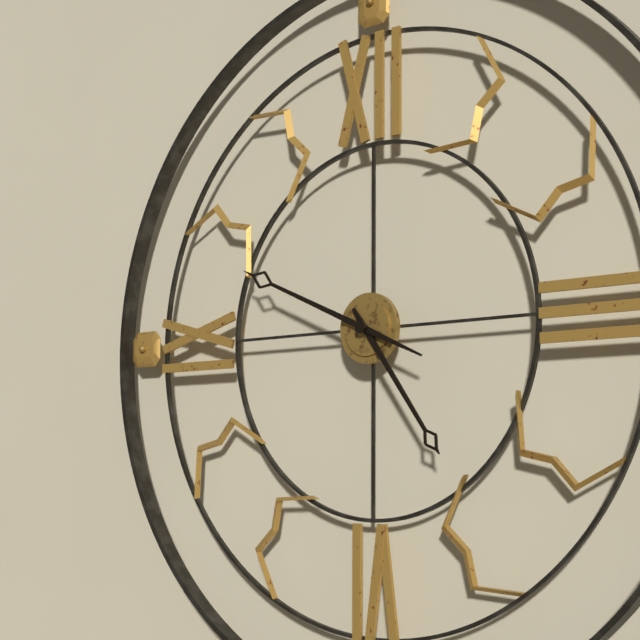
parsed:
4:49
